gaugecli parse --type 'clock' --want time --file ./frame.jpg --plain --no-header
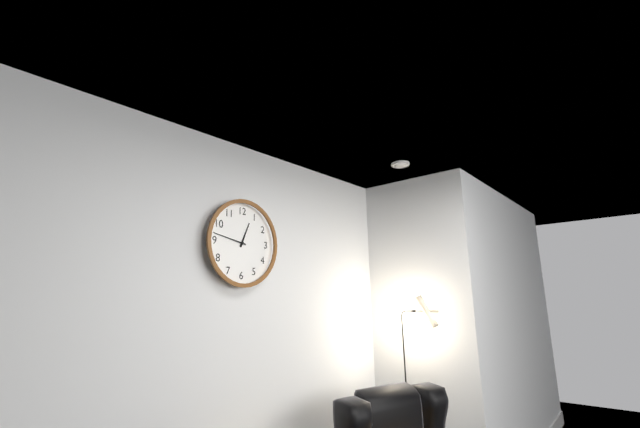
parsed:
12:47
